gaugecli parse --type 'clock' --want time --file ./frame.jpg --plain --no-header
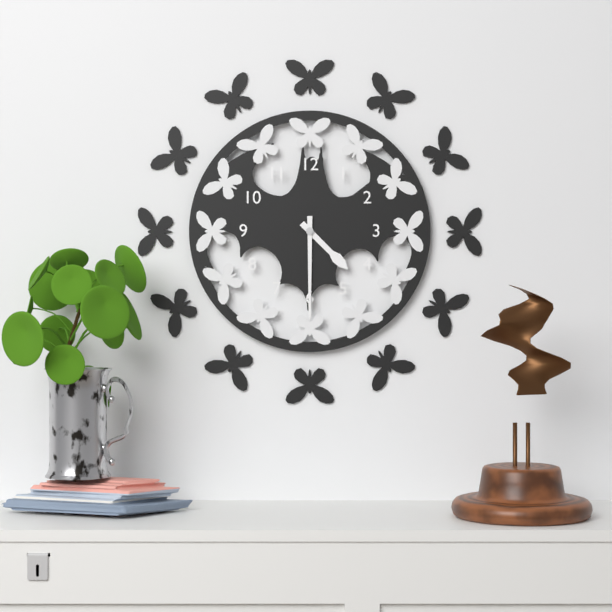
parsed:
4:30
